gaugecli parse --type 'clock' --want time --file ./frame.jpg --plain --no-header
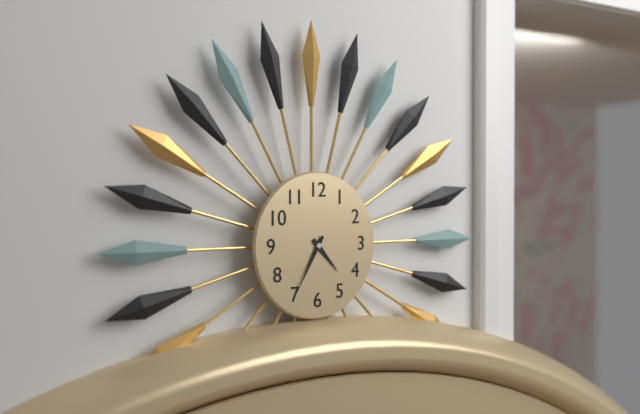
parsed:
4:35
